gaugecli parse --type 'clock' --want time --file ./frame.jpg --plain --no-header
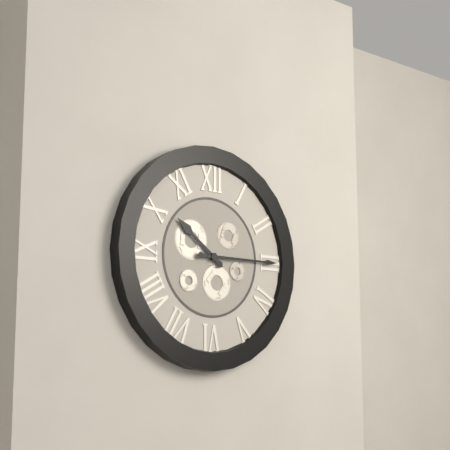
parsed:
10:15
